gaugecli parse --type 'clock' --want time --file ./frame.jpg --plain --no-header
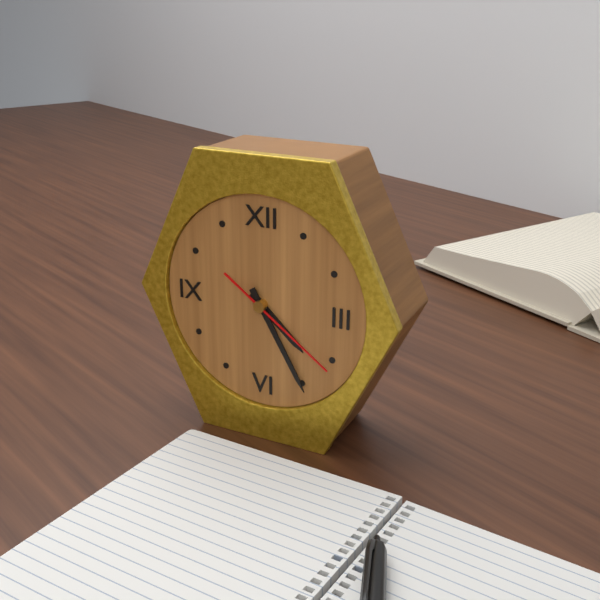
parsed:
4:25:21
